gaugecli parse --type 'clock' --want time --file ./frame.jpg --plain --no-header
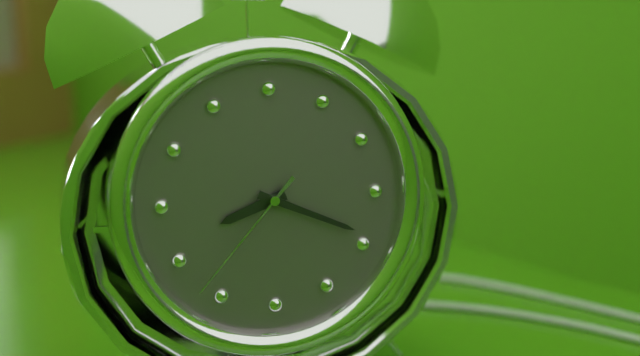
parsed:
8:19:37
